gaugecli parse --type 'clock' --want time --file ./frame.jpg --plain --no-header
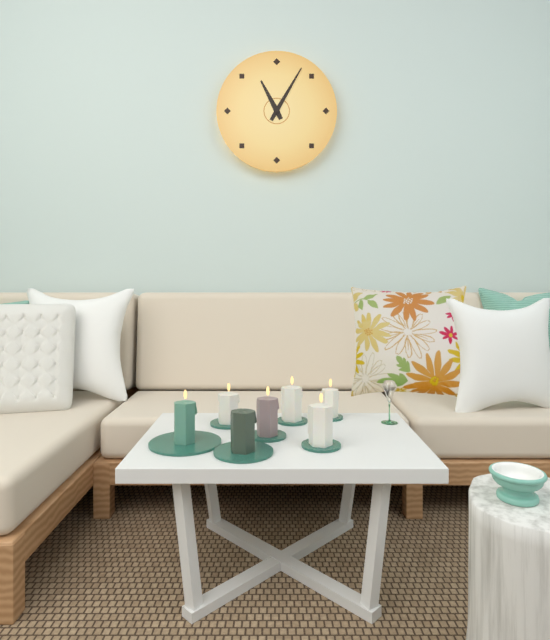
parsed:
11:05
